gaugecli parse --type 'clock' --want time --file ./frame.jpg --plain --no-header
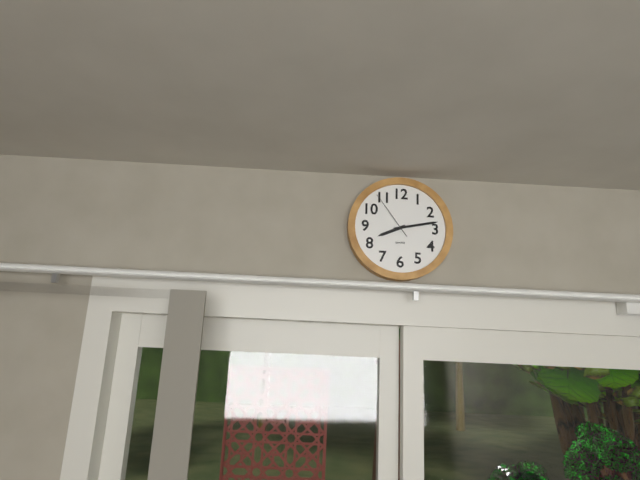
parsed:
8:13:54
